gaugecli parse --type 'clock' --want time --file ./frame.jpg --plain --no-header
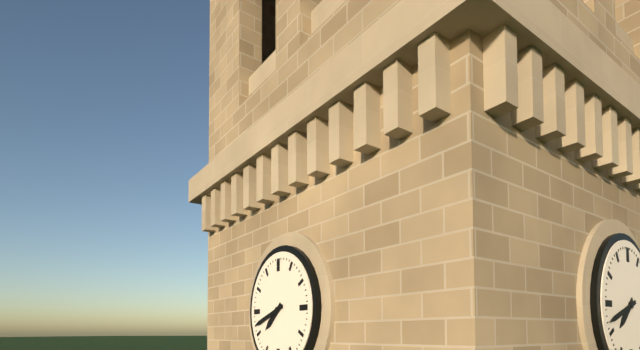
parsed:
7:42
